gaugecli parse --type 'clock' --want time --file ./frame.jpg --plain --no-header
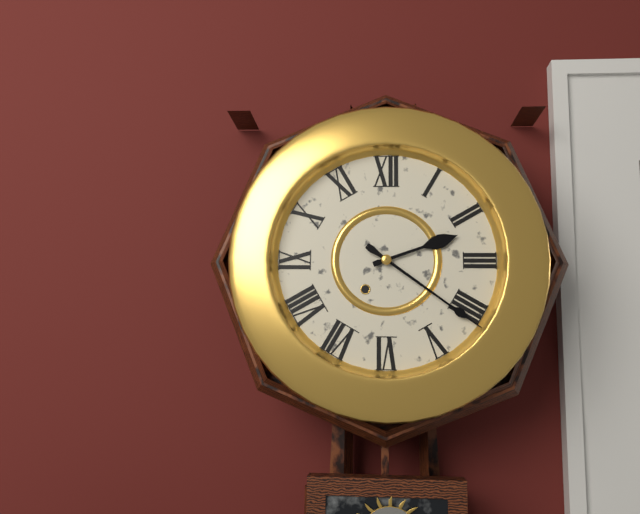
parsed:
2:21
